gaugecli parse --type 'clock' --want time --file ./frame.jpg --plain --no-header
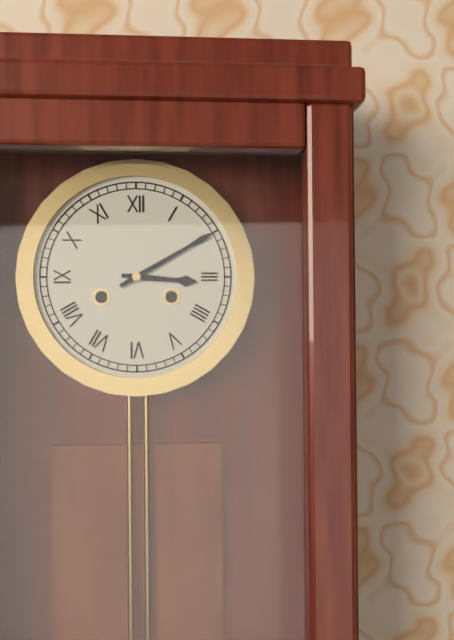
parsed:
3:10
